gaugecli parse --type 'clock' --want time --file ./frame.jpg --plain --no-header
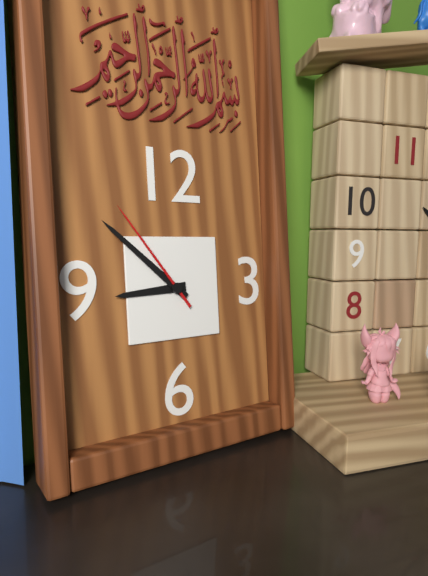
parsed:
8:52:54
